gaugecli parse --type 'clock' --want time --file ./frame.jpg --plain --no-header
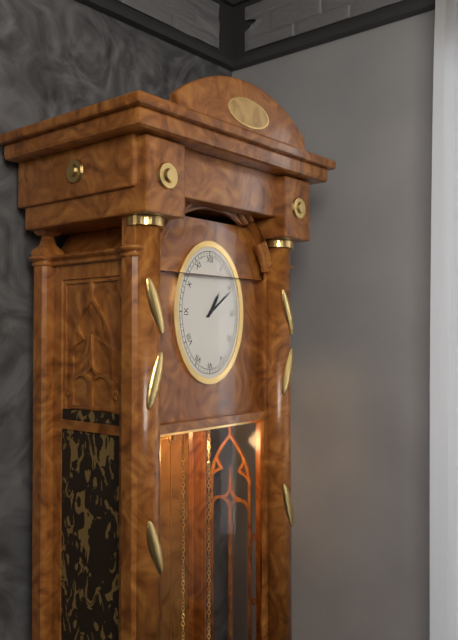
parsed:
1:09
